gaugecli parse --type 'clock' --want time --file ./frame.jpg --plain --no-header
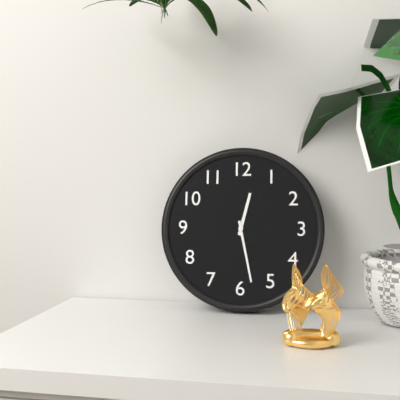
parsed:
12:28
